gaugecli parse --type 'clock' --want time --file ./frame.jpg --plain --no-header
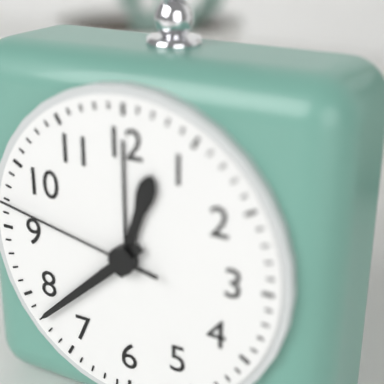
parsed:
12:38
